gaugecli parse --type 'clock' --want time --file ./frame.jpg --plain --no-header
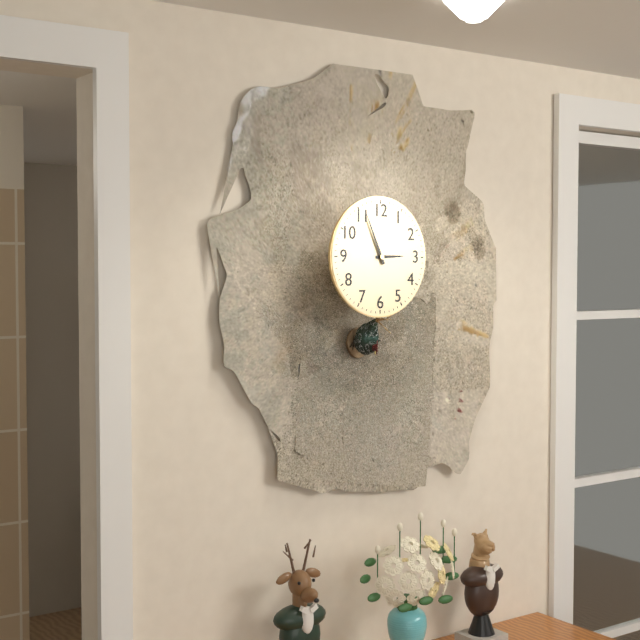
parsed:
2:56
